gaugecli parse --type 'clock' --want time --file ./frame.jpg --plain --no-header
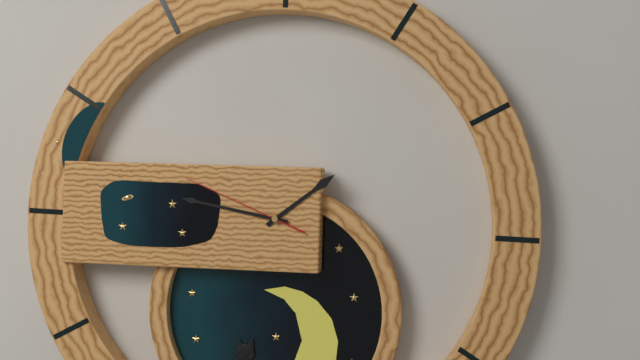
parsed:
1:47:49
